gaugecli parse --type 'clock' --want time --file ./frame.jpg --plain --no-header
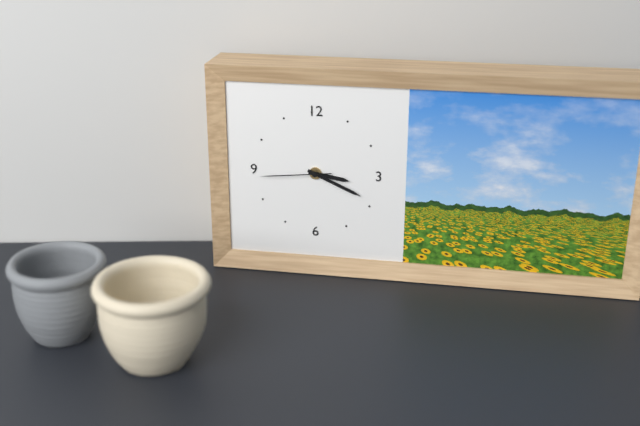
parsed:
3:19:44
